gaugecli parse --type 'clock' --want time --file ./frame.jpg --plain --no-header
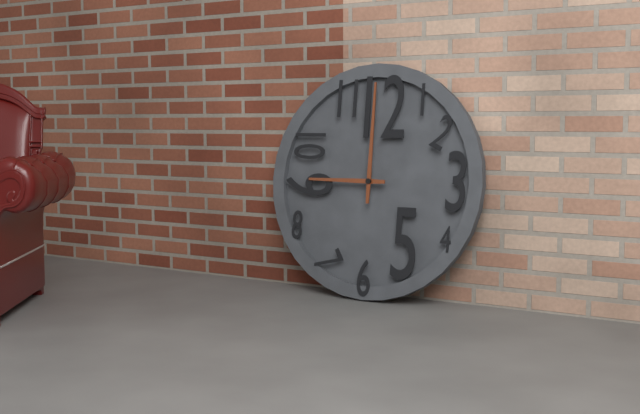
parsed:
9:00
